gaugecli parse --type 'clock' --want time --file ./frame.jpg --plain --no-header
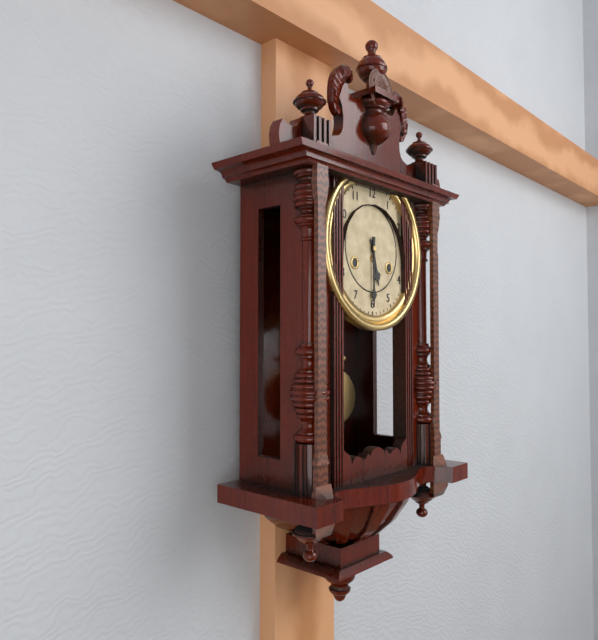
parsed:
5:30
